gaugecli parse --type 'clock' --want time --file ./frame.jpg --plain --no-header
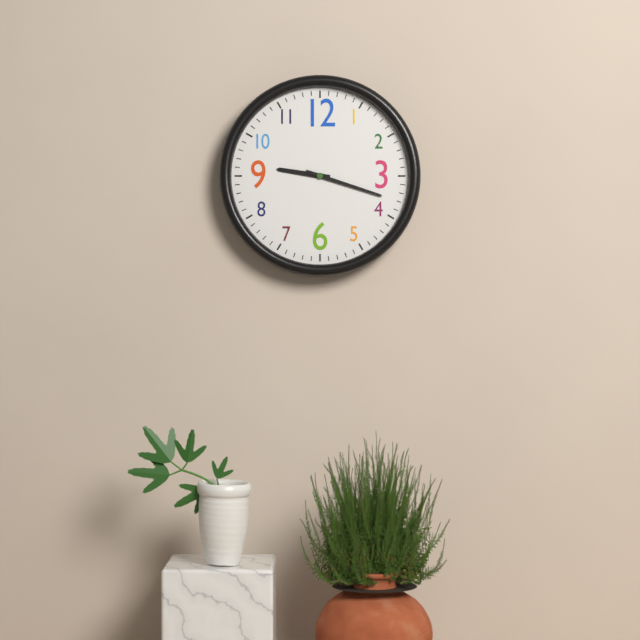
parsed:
9:18
